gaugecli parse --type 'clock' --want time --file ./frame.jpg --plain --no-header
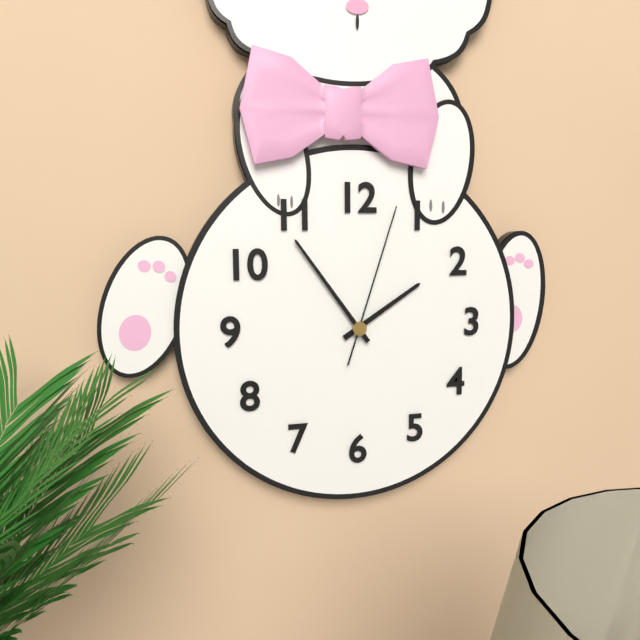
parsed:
1:54:03
